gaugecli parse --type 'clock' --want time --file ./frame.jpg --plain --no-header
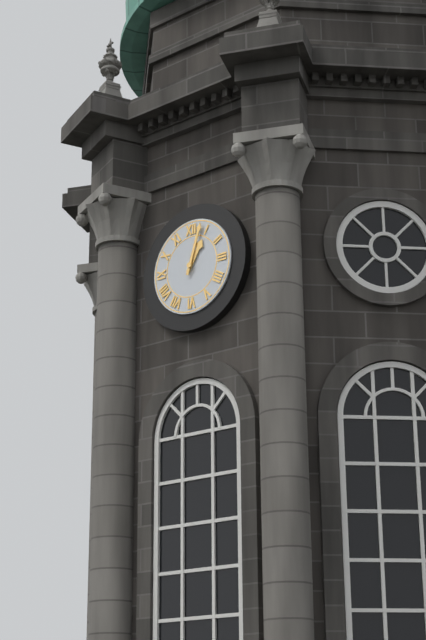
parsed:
1:03
